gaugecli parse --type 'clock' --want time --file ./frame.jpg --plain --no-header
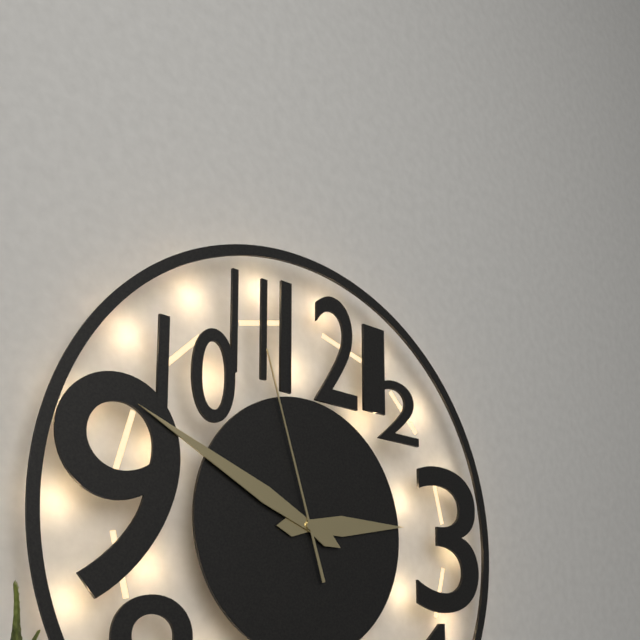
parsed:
2:49:57
